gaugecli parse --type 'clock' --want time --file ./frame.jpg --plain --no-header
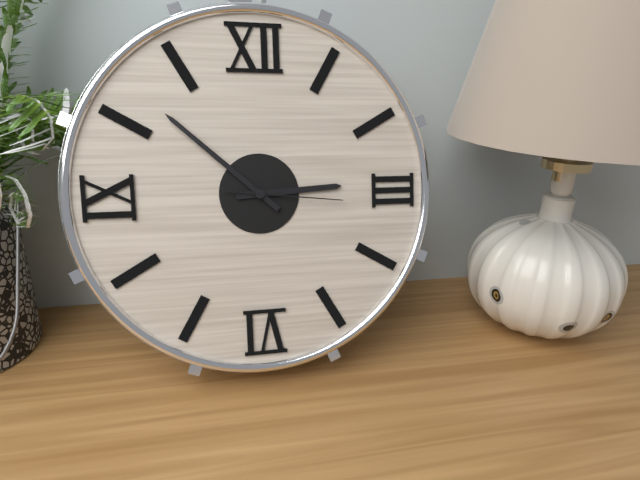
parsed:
2:52:16
